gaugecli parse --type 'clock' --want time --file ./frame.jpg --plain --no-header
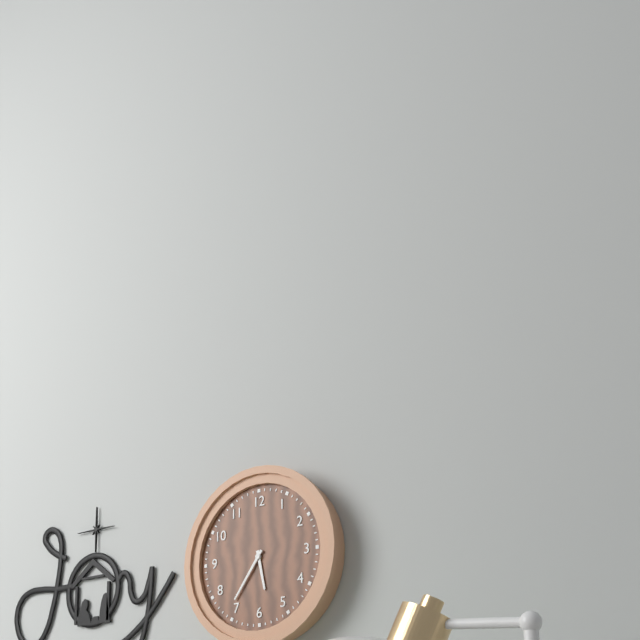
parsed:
5:36
